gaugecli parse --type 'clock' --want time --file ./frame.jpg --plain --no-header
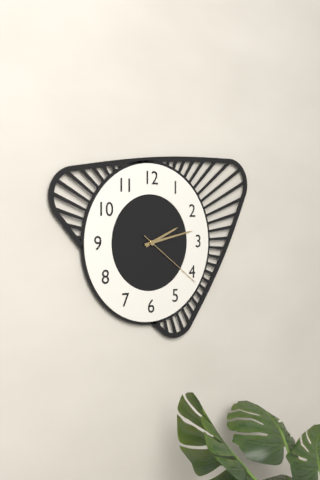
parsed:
2:13:21
